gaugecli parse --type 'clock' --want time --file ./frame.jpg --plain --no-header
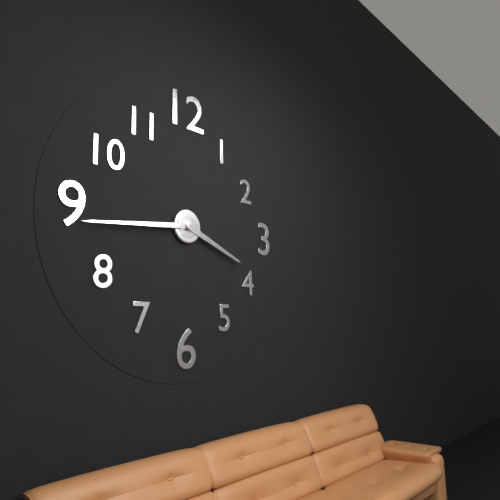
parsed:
3:44
